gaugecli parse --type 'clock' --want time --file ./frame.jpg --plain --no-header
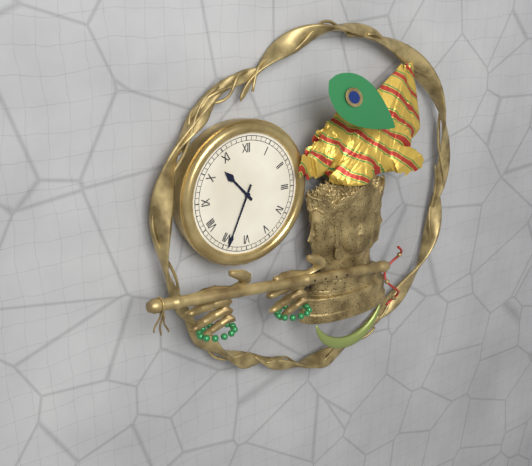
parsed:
10:34
